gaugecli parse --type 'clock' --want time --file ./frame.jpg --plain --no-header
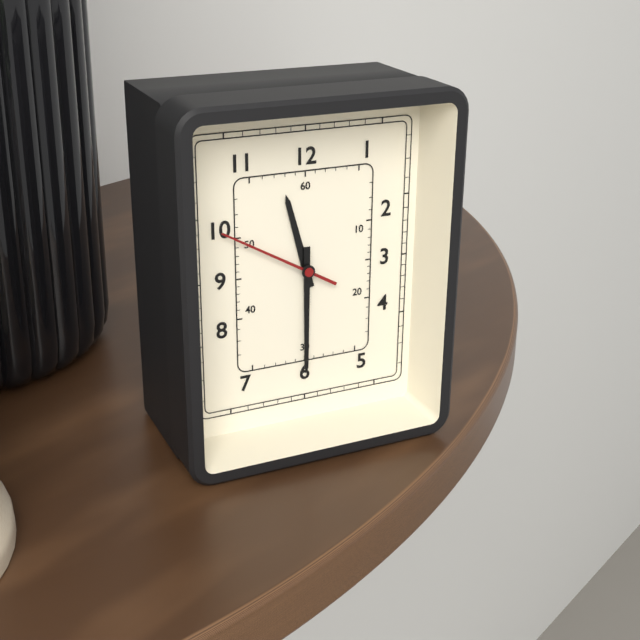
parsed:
11:30:50
